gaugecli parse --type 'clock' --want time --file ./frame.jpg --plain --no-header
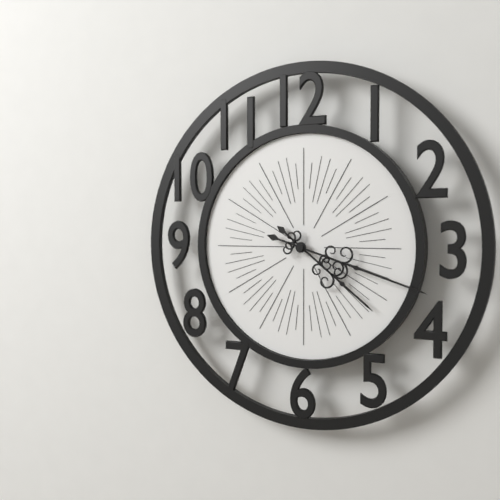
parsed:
4:18
